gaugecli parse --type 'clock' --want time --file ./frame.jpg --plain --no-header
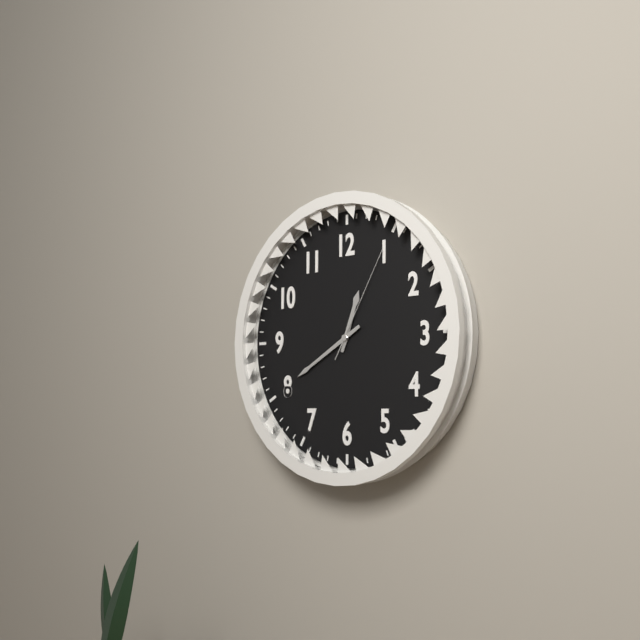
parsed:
12:40:05
